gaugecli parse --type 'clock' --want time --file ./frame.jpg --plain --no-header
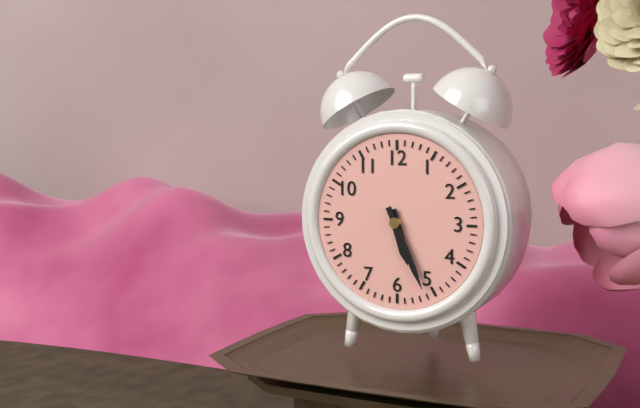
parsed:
5:26
